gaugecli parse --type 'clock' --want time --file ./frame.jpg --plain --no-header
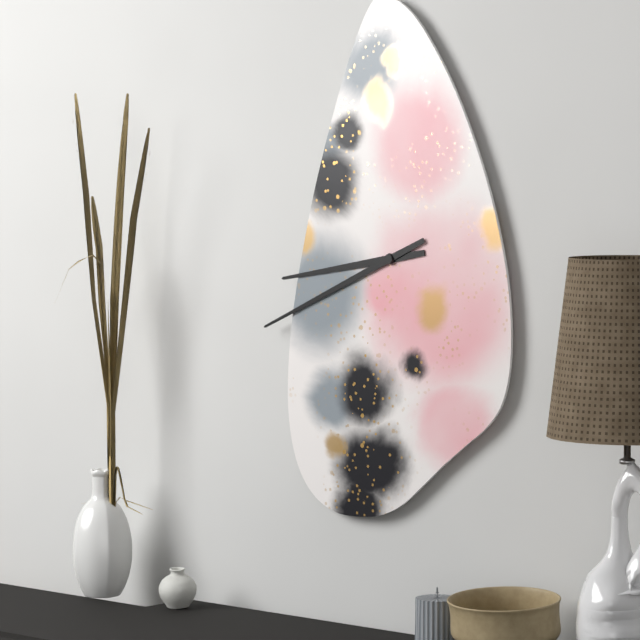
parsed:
8:41
